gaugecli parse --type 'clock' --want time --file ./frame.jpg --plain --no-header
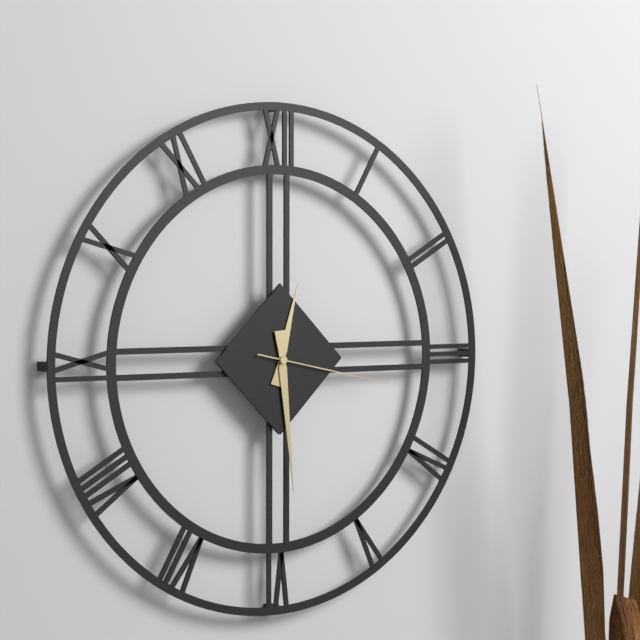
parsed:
12:29:17
